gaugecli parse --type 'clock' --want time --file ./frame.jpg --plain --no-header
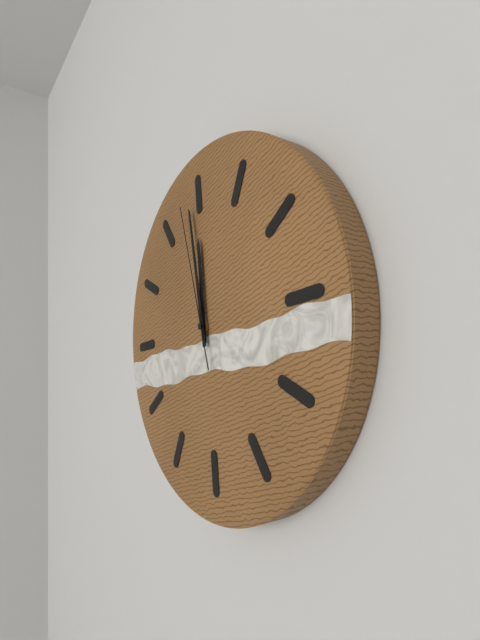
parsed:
11:59:58
